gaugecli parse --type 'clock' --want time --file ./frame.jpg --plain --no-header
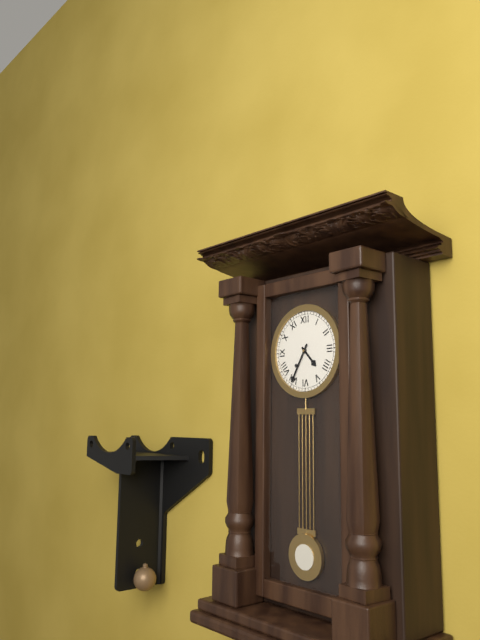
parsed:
4:35
